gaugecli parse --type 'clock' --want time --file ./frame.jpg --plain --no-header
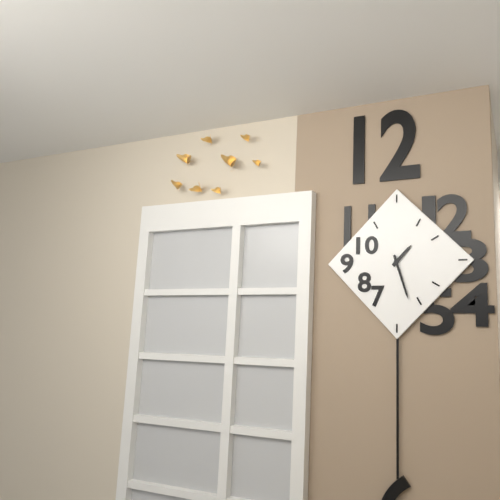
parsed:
1:27
